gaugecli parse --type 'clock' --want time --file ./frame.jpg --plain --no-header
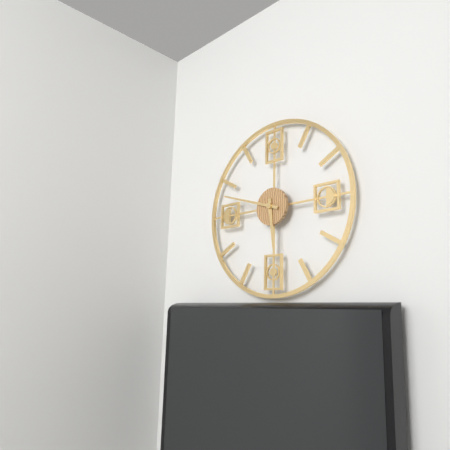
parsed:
5:48
